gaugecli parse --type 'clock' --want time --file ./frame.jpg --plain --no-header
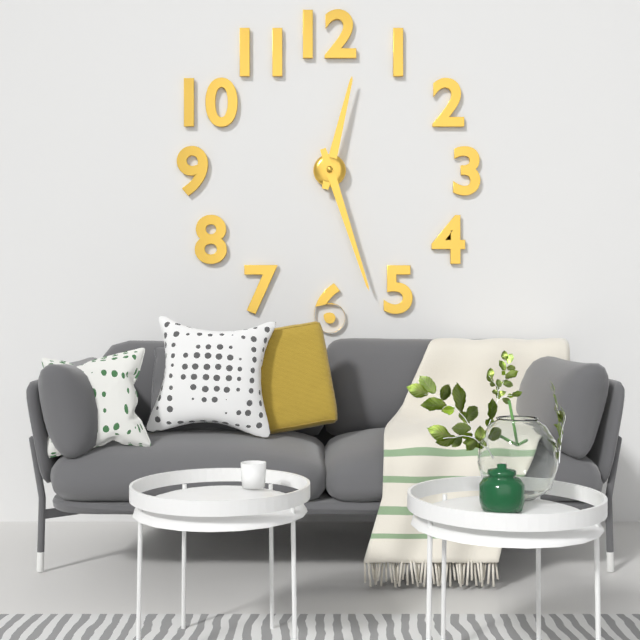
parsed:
12:27
